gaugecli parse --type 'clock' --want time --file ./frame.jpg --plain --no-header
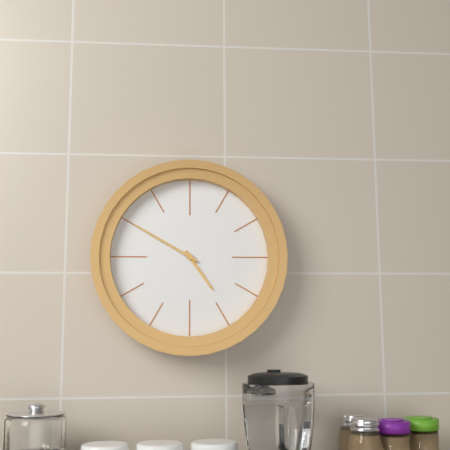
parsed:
4:50
